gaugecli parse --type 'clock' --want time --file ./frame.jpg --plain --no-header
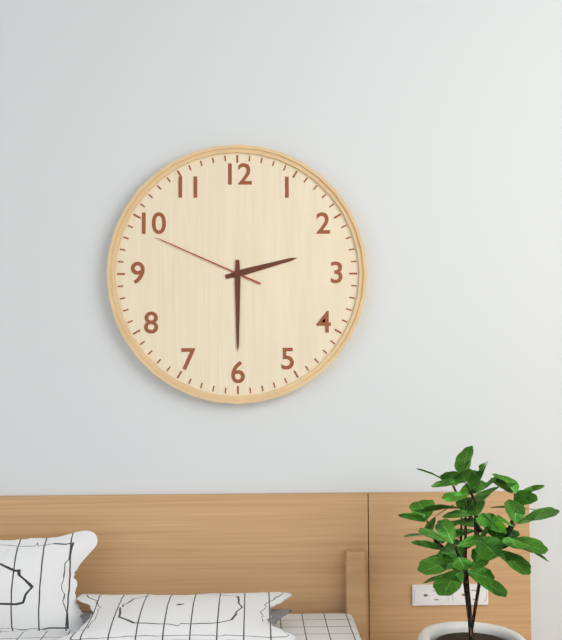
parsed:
2:30:49
